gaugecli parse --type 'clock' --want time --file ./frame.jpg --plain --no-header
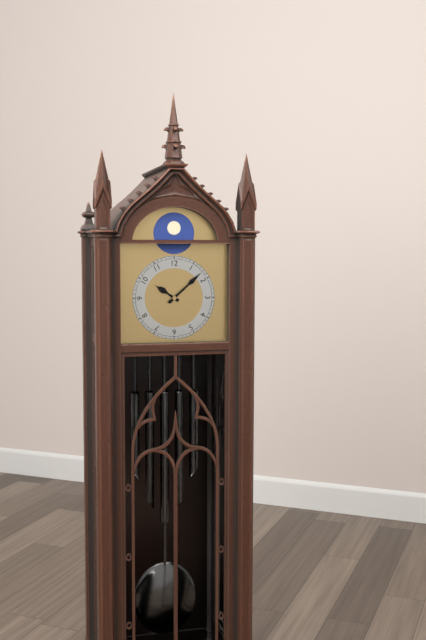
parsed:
10:08
